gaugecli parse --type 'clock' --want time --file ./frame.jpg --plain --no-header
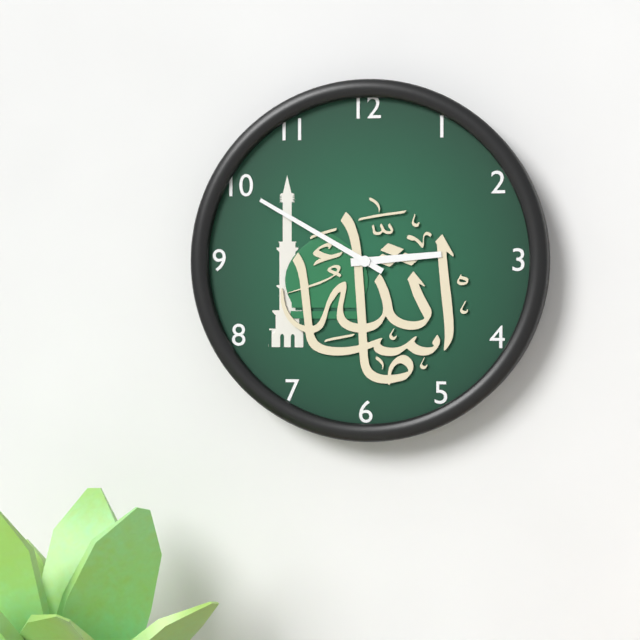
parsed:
2:50
